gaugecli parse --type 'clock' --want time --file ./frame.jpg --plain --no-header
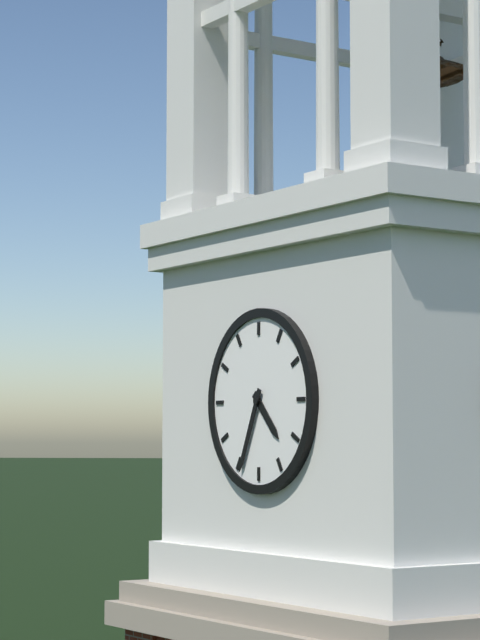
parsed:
4:34
